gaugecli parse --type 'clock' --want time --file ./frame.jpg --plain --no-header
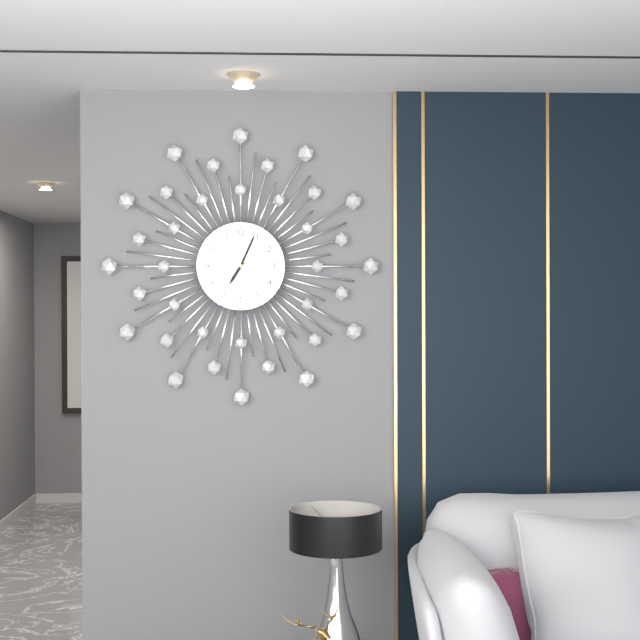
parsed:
7:04
